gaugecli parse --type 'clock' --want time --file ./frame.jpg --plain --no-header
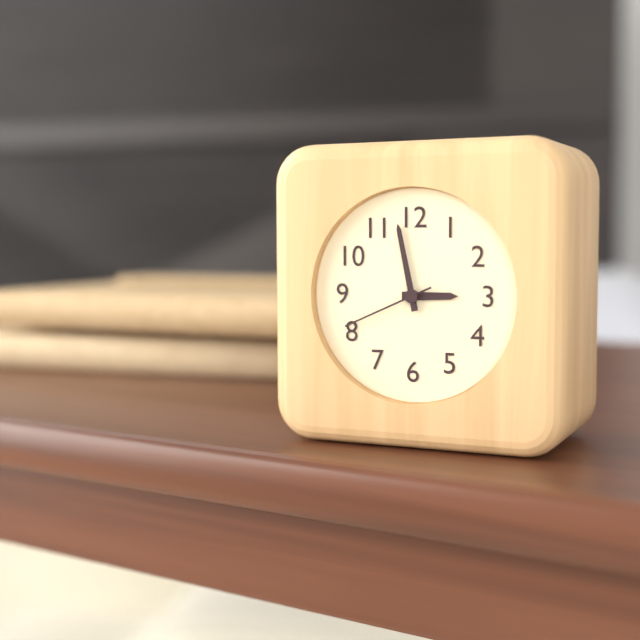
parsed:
2:58:41
